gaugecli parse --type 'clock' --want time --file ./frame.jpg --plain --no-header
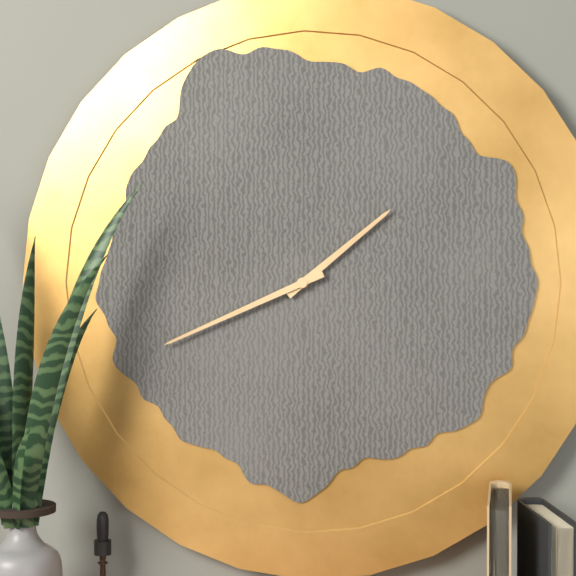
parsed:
1:41
